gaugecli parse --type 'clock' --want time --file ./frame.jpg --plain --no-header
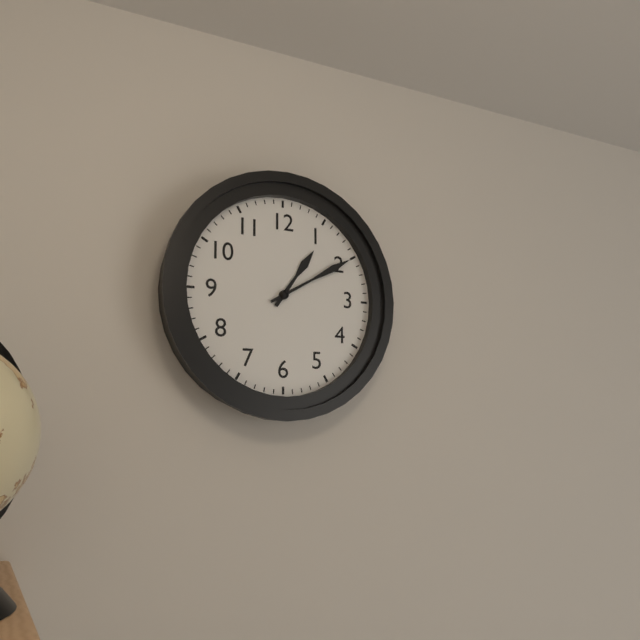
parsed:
1:10
